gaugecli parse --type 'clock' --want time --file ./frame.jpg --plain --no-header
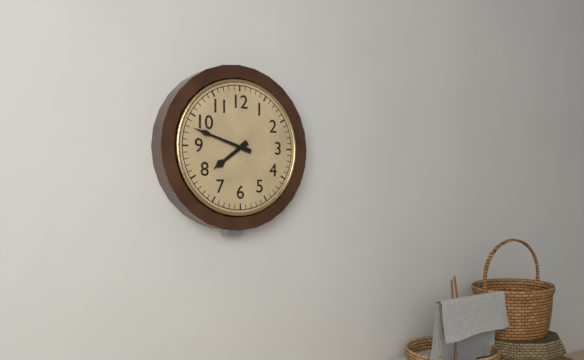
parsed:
7:48
